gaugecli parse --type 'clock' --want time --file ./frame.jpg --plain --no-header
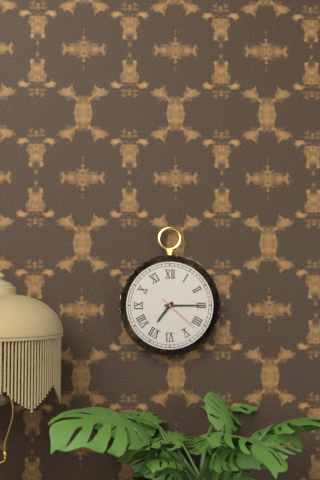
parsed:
7:15
